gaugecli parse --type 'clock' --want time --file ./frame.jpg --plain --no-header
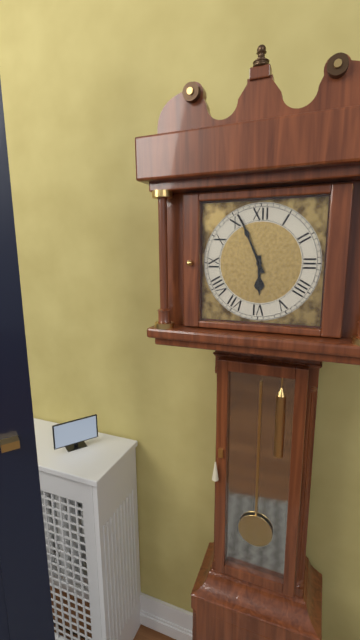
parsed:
5:56
